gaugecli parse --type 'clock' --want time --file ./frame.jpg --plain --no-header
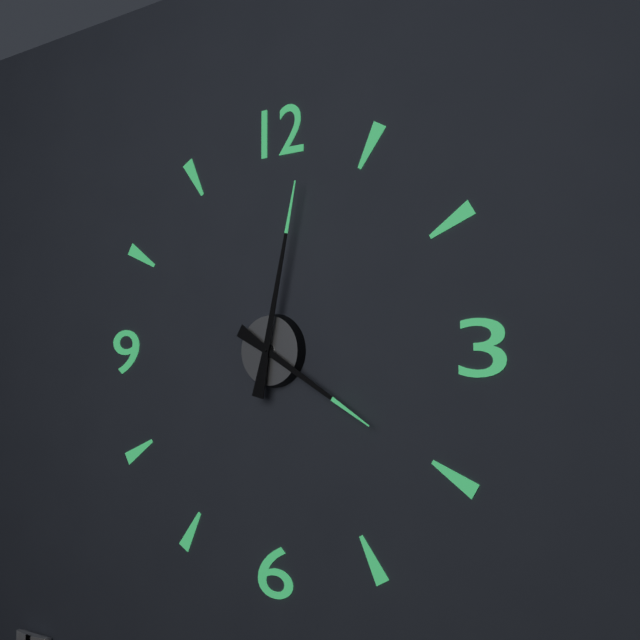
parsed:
4:02
